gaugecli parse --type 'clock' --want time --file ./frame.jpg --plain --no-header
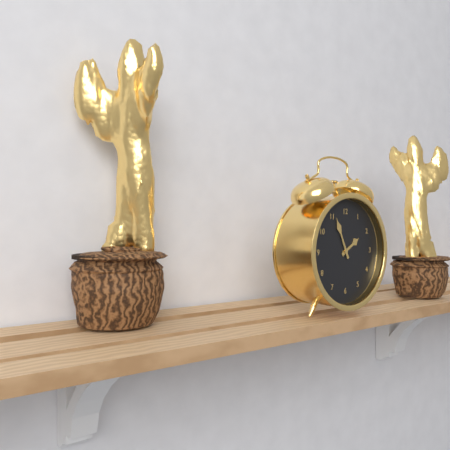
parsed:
1:56
